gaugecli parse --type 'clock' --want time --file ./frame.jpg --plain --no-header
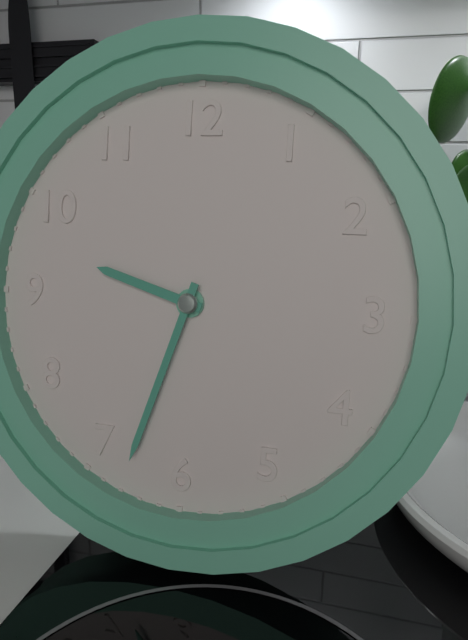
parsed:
9:33
